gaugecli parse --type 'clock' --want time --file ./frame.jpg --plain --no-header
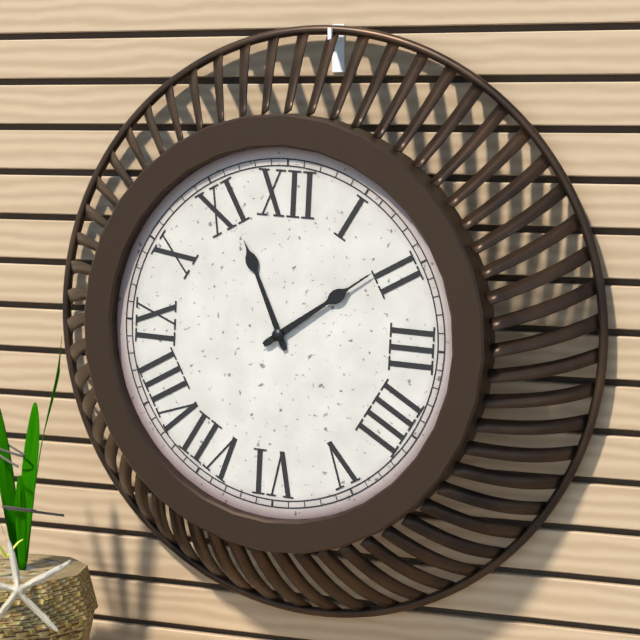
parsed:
11:09
